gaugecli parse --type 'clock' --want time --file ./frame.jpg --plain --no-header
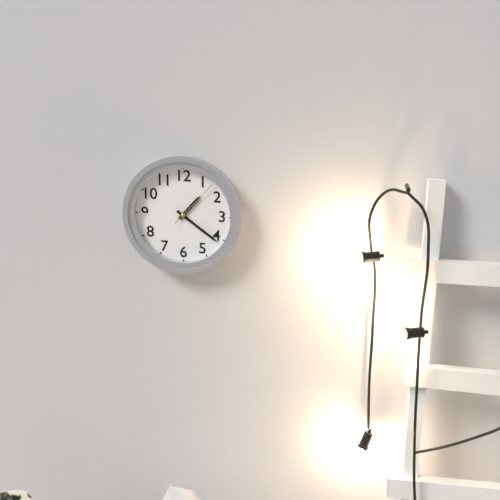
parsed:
1:21:07
